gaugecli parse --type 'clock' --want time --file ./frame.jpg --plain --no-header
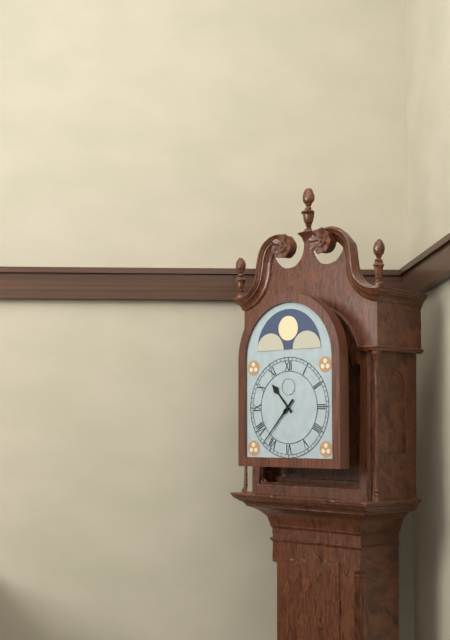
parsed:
10:37
